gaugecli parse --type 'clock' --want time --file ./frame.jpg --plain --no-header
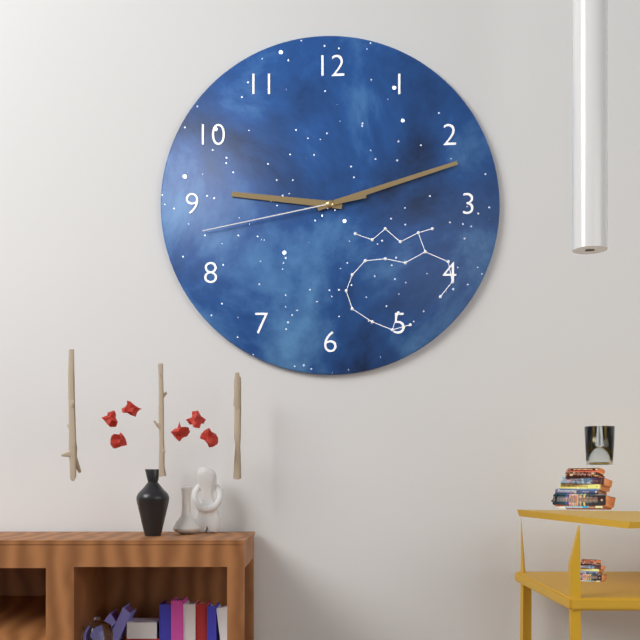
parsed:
9:12:43
